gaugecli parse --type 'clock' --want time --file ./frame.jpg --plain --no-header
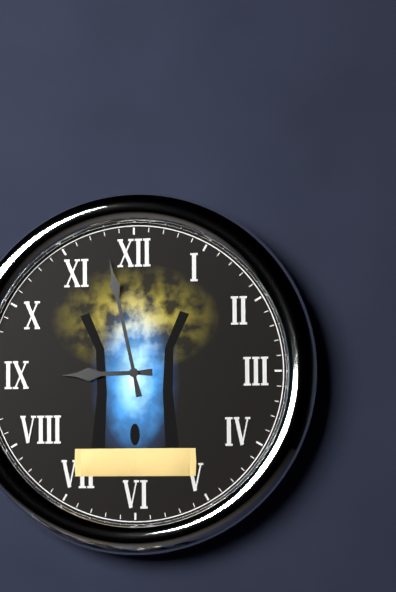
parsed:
8:58
